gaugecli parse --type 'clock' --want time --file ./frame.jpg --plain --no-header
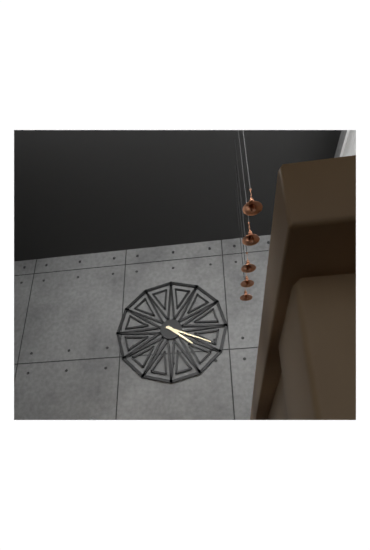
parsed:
4:19
